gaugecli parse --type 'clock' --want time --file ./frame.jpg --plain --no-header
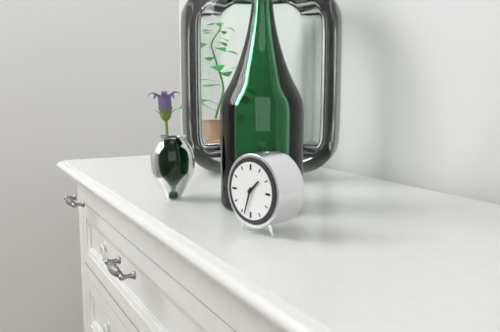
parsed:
1:33
